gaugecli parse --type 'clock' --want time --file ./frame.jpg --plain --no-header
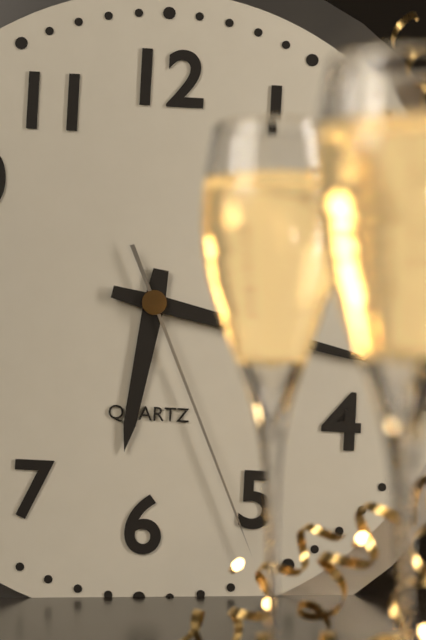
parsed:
6:17:26
